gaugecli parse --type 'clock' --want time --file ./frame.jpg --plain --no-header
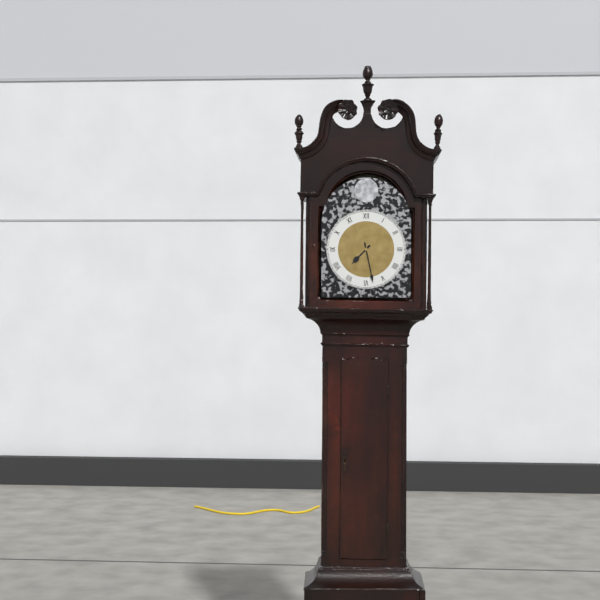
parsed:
7:28
